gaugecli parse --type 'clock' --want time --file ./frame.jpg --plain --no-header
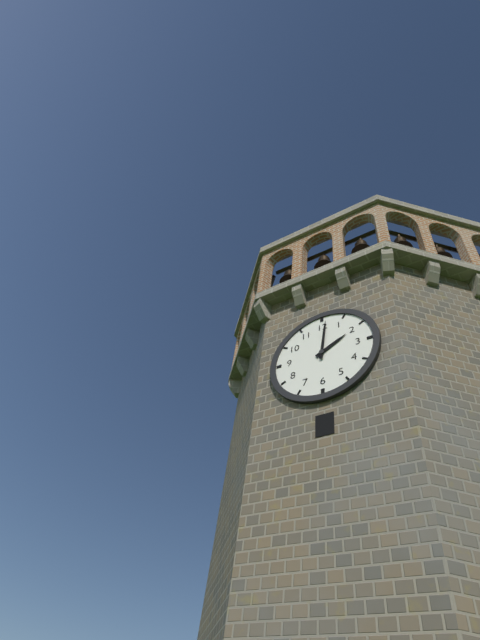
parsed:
2:01
